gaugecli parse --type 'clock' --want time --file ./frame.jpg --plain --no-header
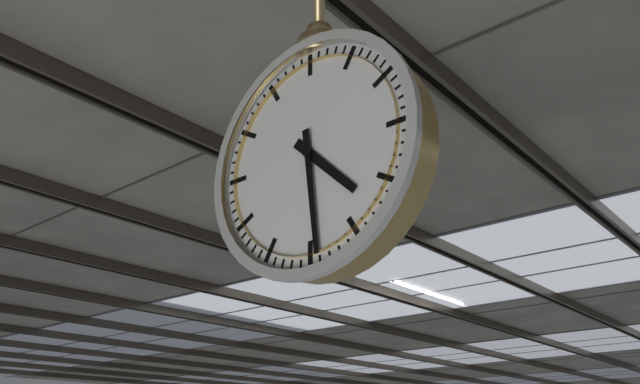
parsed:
4:29
